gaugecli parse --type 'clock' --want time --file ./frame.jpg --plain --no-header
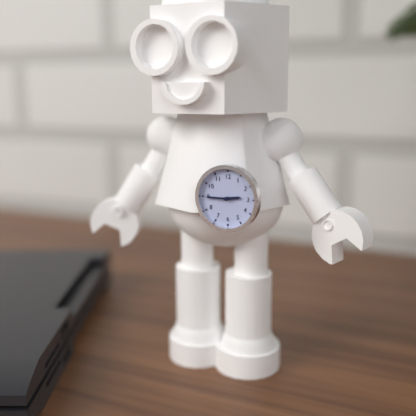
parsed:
2:45
